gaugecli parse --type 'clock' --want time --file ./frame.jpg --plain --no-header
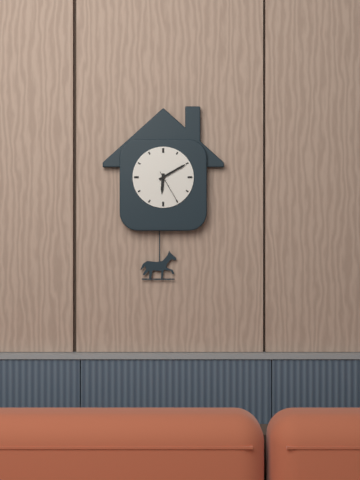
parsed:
6:10
